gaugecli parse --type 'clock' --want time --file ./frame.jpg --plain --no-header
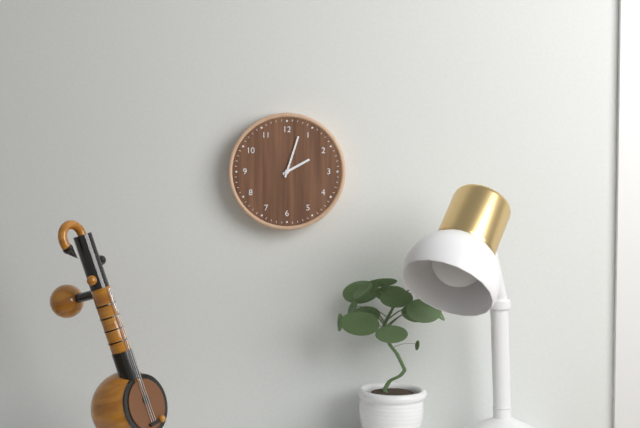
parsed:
2:03
